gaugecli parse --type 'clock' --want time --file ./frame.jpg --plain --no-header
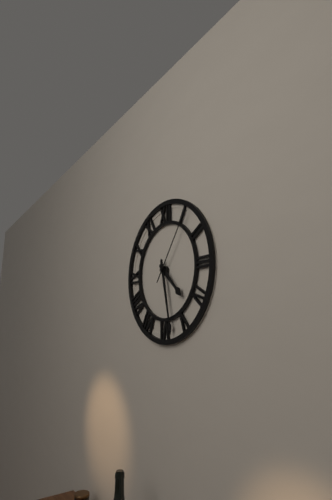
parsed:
4:28:06
